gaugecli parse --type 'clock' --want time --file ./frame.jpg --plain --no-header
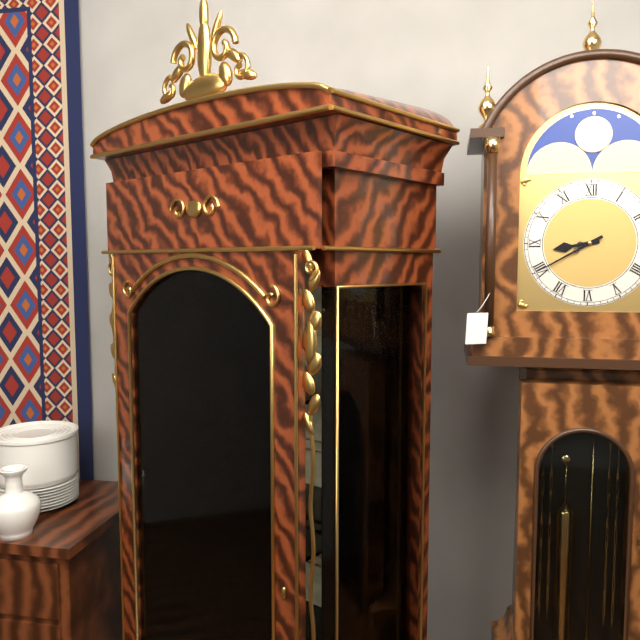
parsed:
8:40
